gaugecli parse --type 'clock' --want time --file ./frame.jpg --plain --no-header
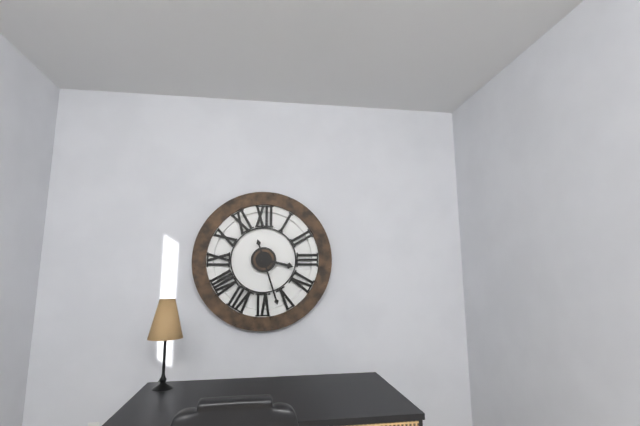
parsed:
3:27
